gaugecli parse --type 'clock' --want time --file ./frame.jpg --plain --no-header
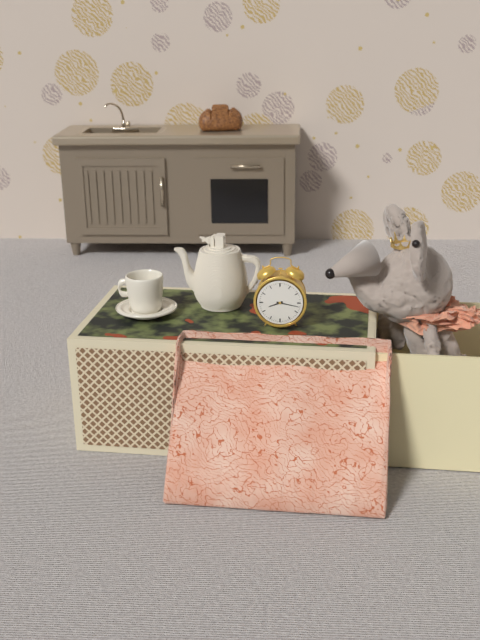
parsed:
8:17
